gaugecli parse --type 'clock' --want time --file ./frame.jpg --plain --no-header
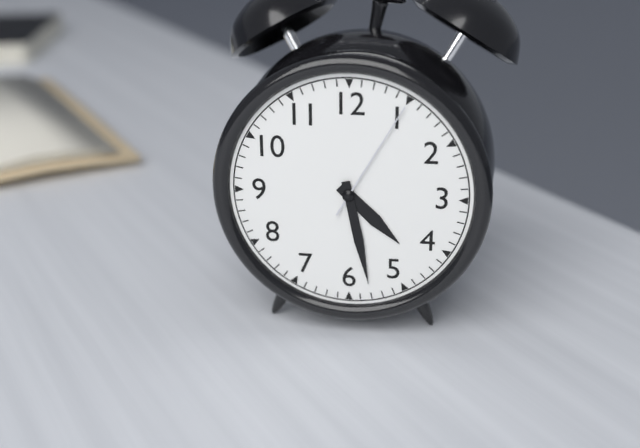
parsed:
4:28:05
